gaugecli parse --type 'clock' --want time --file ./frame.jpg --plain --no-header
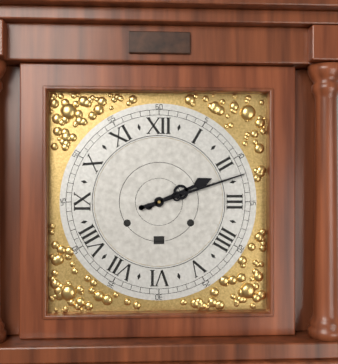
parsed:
2:12
